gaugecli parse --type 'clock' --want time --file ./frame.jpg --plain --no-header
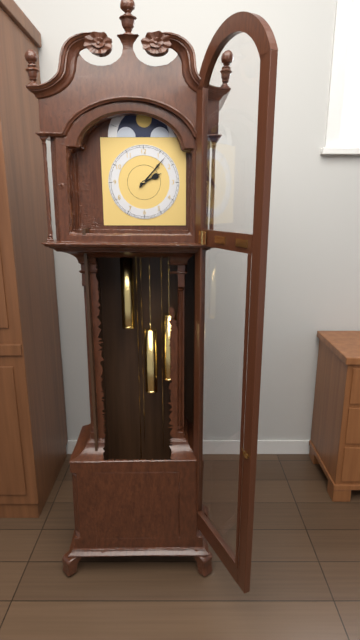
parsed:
2:07
